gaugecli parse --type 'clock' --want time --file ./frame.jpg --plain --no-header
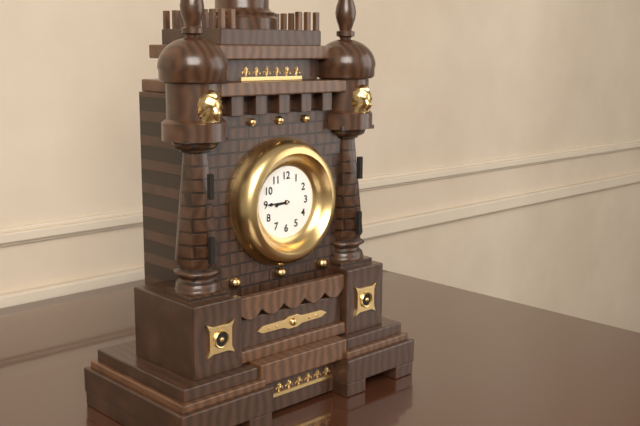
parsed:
8:45
